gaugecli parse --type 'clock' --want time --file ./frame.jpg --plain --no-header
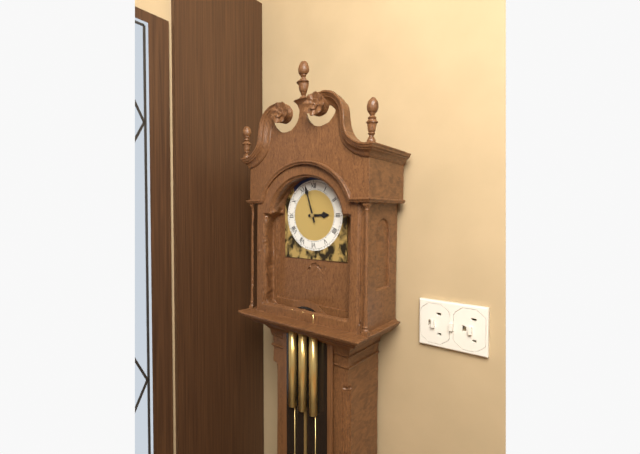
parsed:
2:57
